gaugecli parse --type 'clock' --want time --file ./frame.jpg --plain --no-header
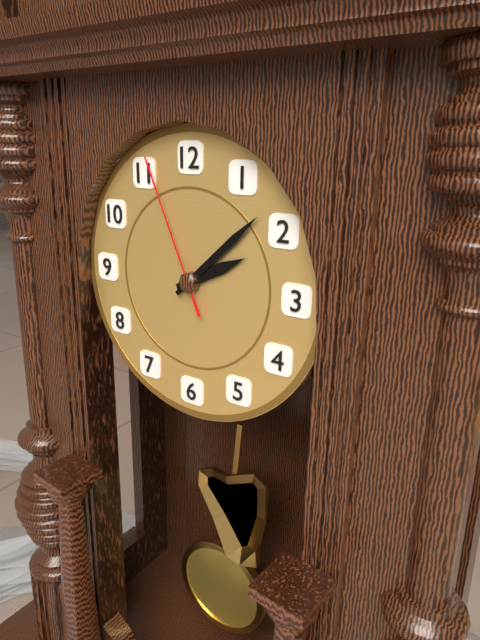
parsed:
2:08:56
